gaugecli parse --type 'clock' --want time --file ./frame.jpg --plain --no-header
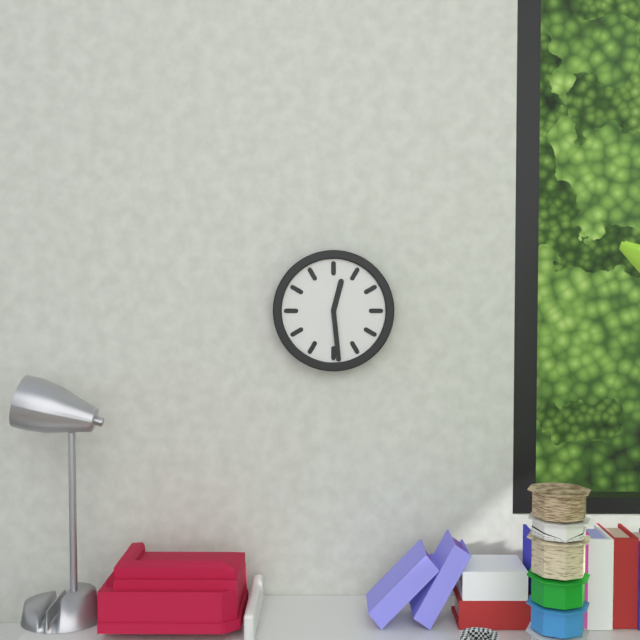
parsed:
12:29
